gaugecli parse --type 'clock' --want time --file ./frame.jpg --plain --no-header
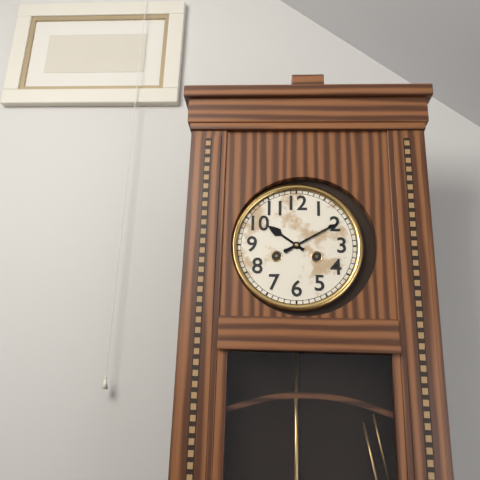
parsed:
10:10
